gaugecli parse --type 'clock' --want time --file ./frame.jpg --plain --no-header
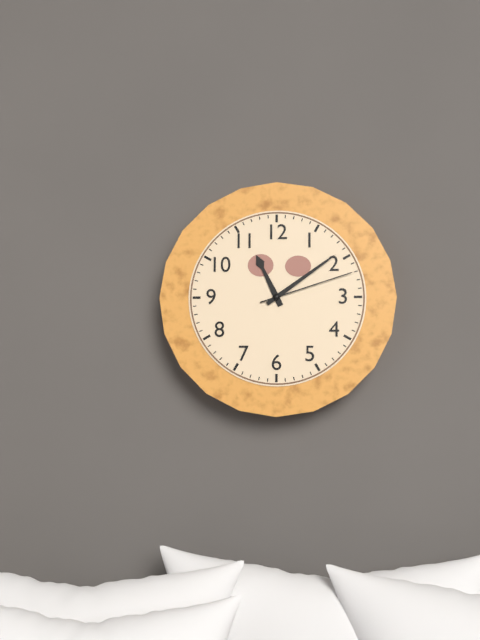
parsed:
11:09:12
